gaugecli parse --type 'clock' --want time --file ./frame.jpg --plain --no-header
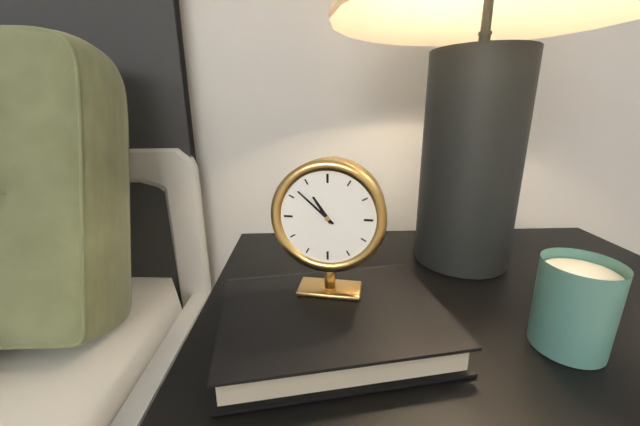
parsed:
10:52
